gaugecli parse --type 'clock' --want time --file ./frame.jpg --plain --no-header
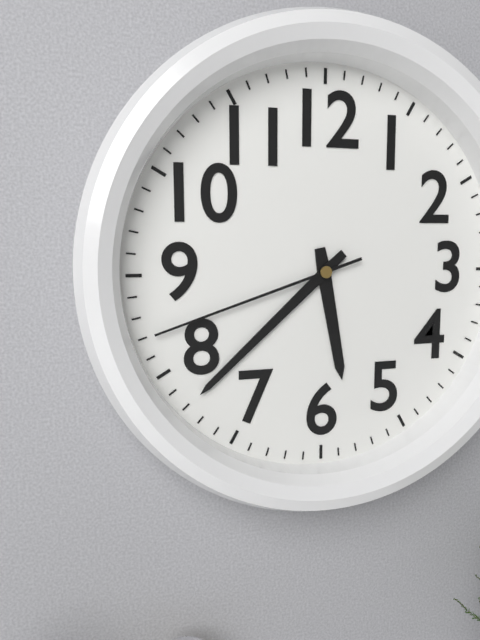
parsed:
5:38:42
